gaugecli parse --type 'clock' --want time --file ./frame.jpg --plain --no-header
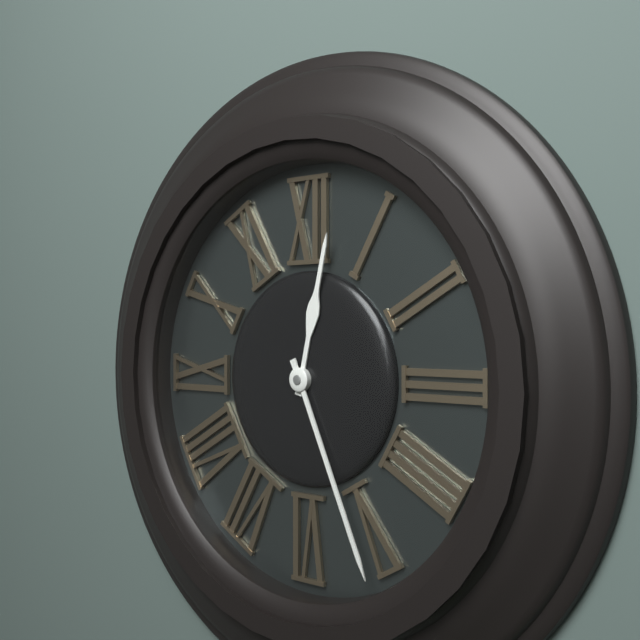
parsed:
12:26
